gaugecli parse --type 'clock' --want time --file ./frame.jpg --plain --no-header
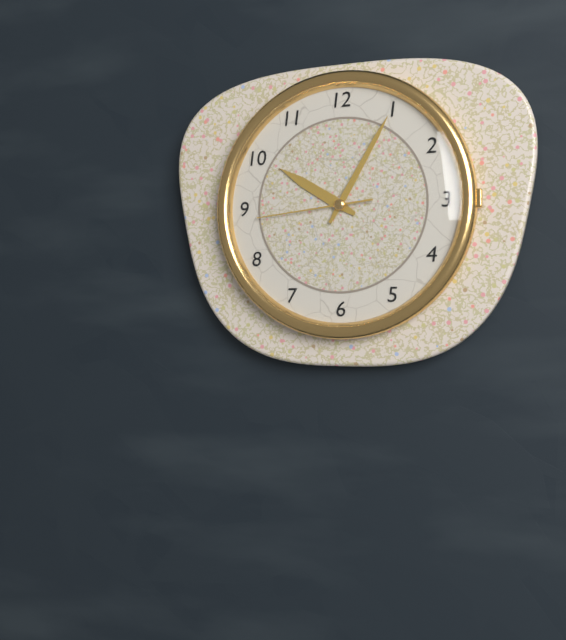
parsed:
10:05:44
